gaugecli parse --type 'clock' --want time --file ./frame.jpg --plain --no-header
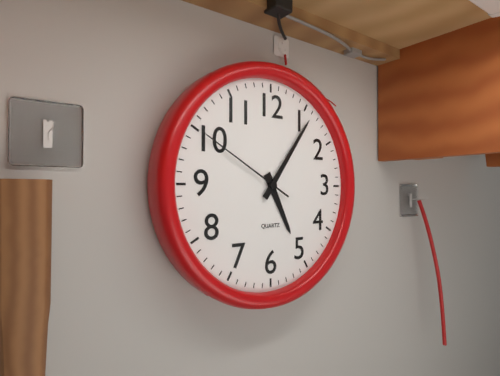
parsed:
5:06:50
